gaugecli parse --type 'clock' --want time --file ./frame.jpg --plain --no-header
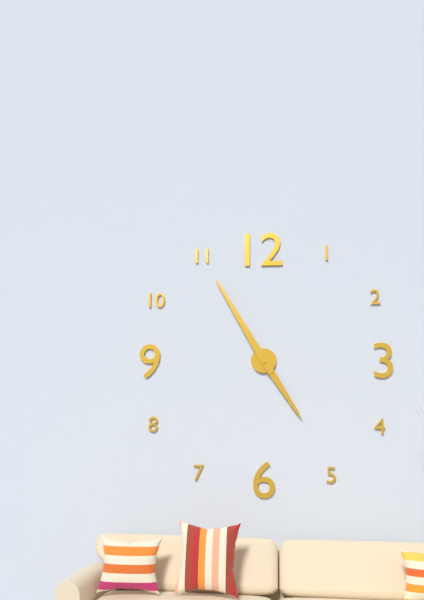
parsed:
4:55
